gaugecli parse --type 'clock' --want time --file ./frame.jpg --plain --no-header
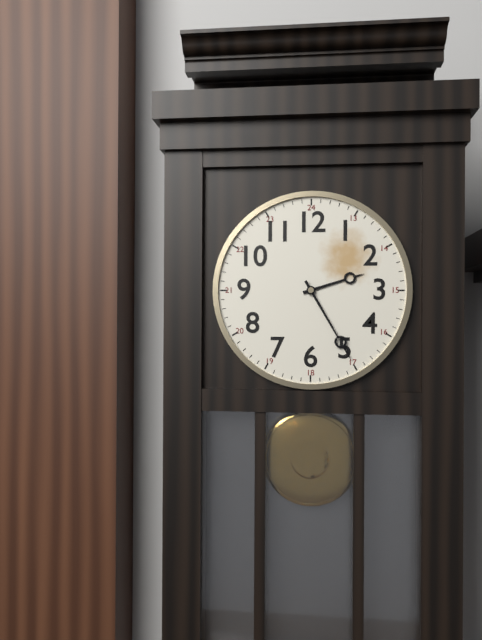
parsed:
2:25
